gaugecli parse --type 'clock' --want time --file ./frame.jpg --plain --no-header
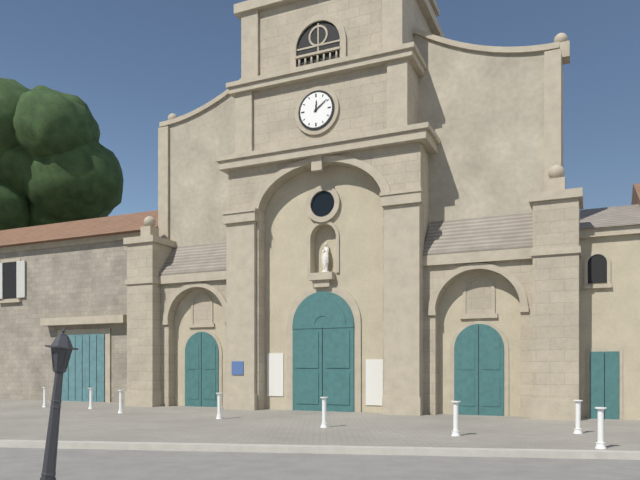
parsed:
12:09
